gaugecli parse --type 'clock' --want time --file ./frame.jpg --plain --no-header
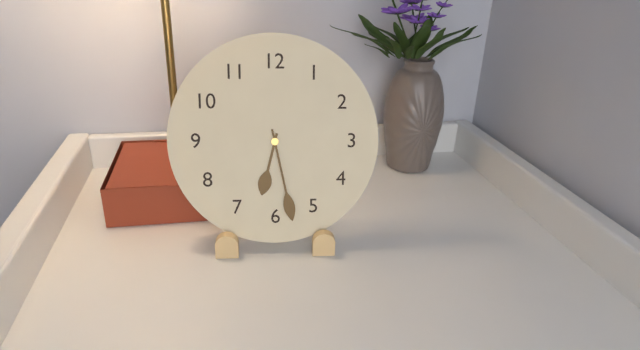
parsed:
6:28
